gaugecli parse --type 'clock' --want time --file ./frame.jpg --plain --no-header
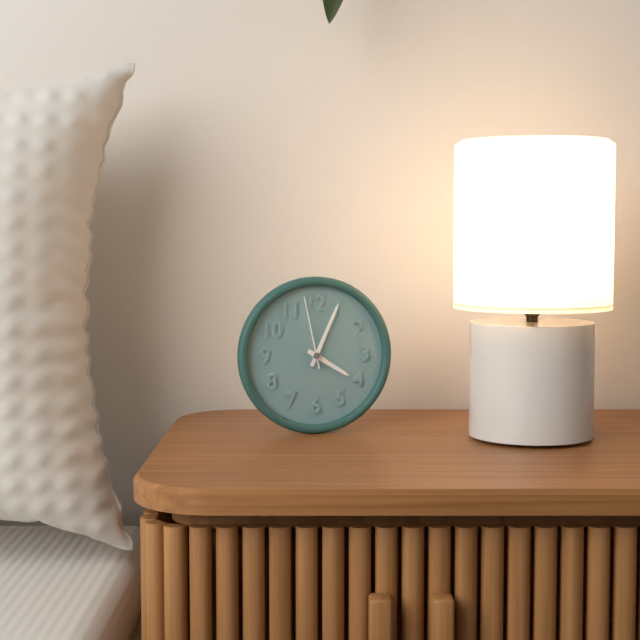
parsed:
4:04:58
